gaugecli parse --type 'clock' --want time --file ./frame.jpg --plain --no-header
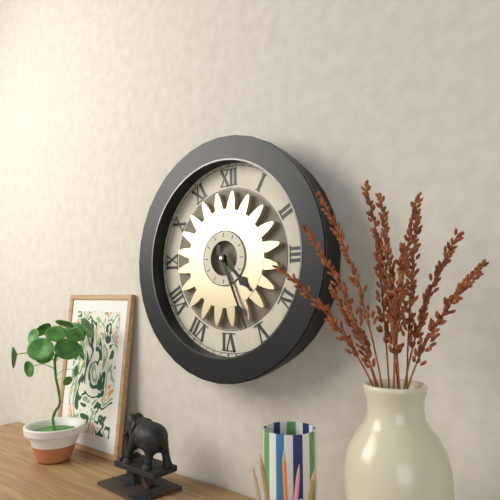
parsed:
4:26
